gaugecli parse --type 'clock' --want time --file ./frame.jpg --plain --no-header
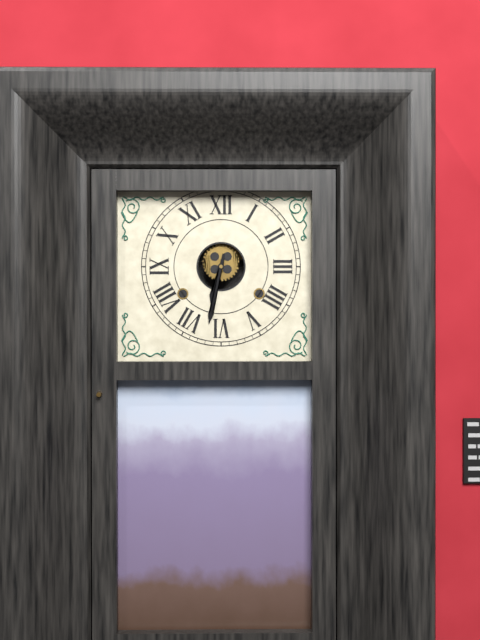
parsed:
6:32
